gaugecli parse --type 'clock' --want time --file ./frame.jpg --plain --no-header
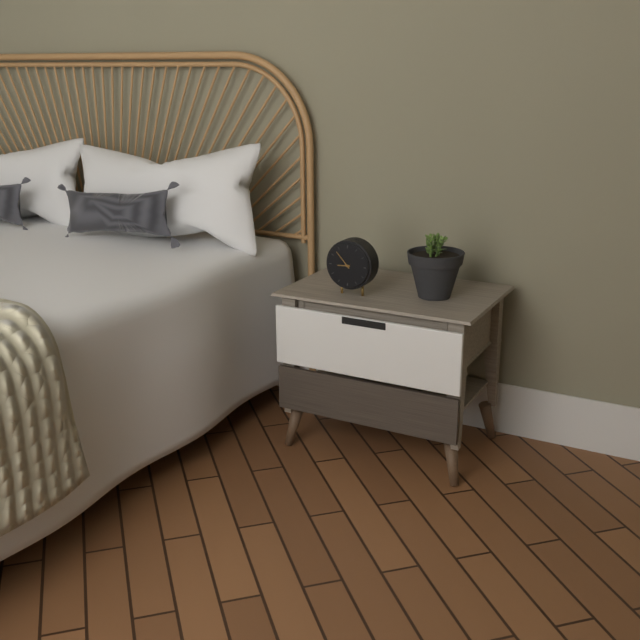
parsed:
8:53
